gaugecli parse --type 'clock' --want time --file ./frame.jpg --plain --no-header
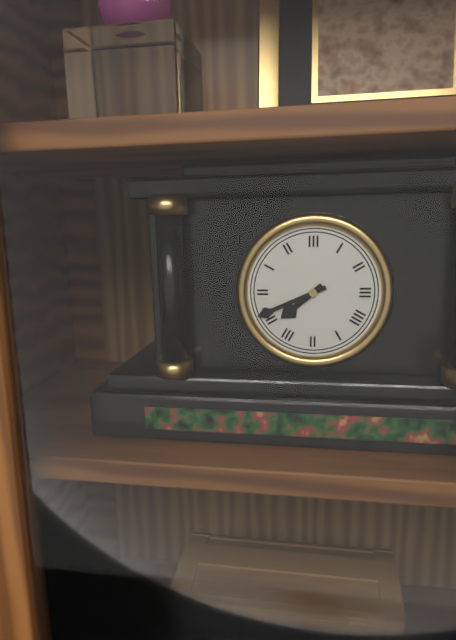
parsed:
7:41
